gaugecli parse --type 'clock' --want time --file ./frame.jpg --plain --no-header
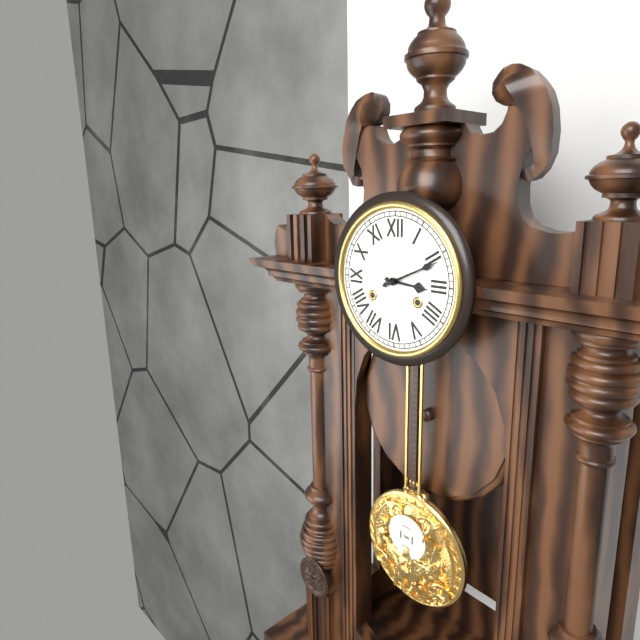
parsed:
3:11
